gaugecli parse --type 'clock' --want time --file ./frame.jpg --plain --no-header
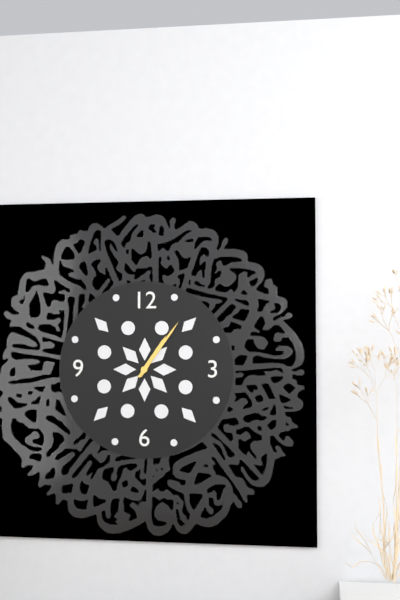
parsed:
1:06
